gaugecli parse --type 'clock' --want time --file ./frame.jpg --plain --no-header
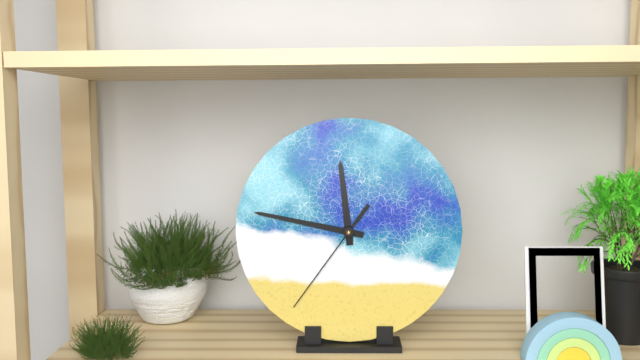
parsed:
11:47:36
